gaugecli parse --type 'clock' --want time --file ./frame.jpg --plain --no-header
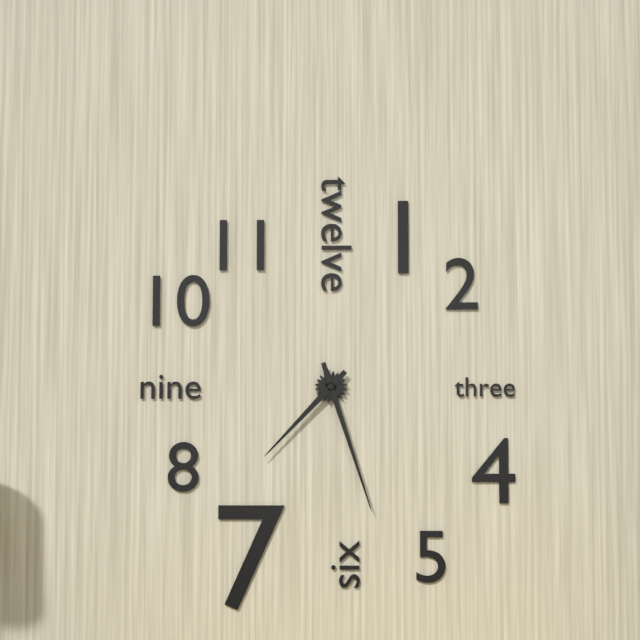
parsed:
7:27
